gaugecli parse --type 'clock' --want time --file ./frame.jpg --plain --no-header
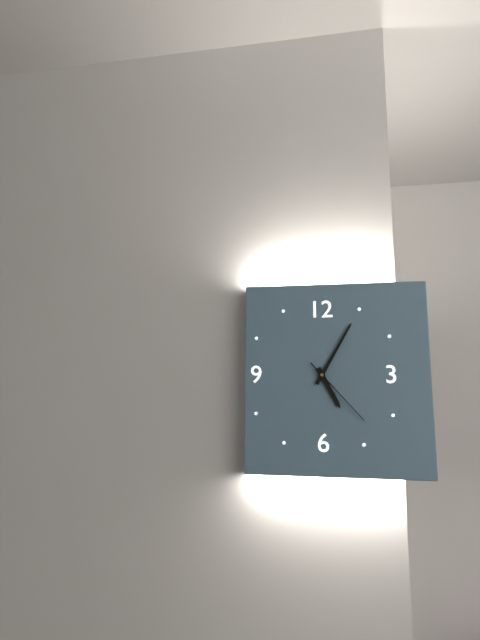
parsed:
5:05:23
